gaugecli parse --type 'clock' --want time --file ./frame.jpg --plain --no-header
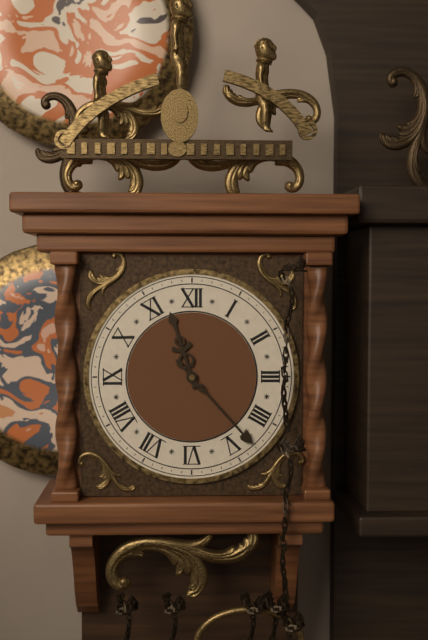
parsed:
11:23
